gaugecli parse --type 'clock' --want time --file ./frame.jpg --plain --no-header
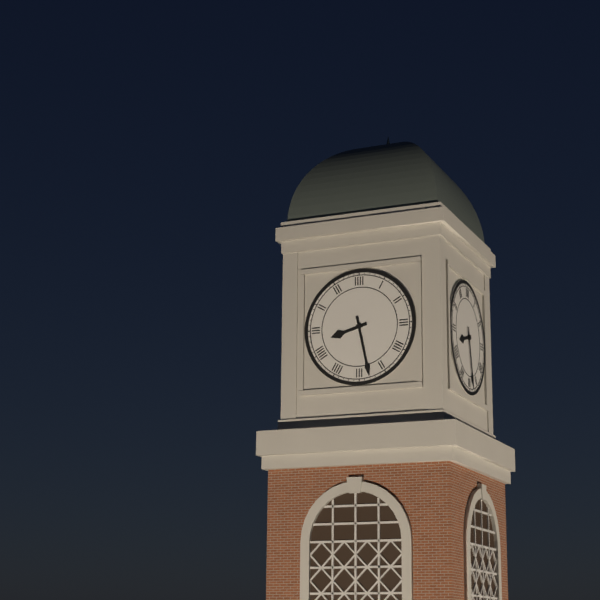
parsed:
8:28
